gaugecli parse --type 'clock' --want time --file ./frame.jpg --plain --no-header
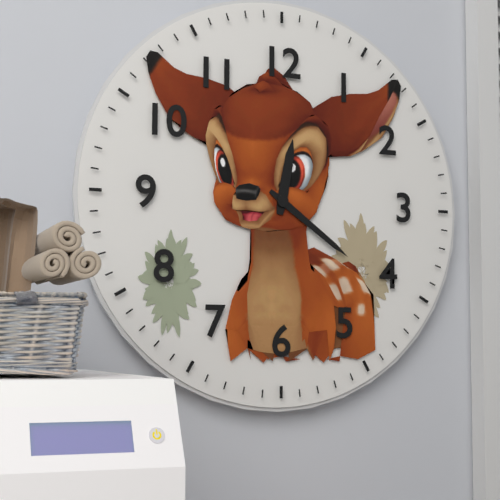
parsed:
12:21
